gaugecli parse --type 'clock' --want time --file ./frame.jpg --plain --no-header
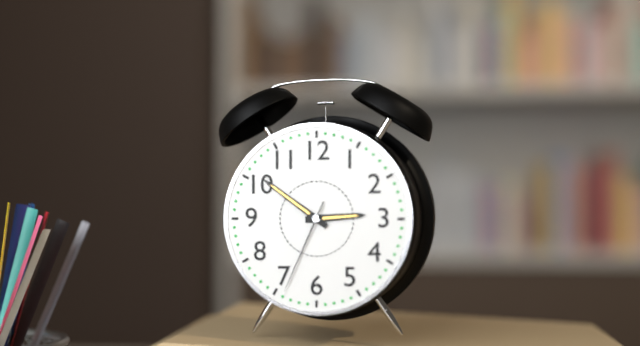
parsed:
2:51:34
